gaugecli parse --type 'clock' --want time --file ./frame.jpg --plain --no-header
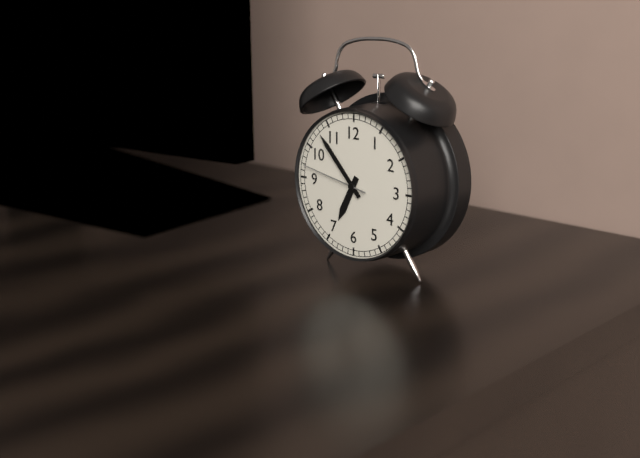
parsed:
6:53:47
